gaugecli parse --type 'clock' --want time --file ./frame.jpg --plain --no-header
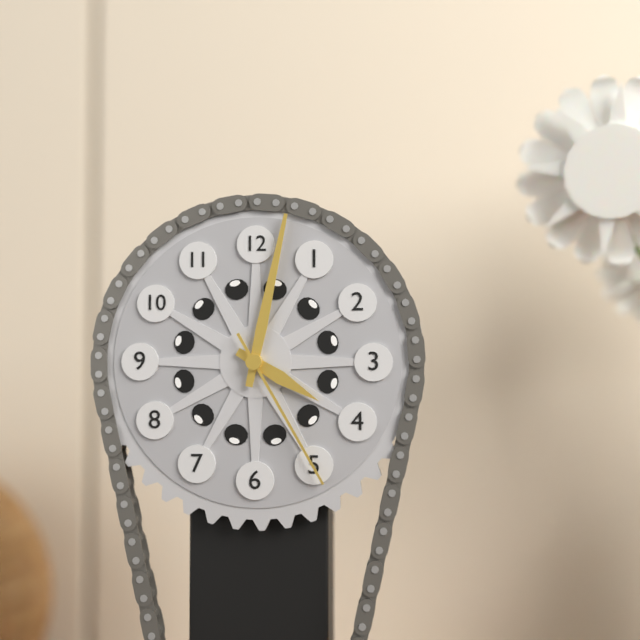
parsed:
4:02:25
